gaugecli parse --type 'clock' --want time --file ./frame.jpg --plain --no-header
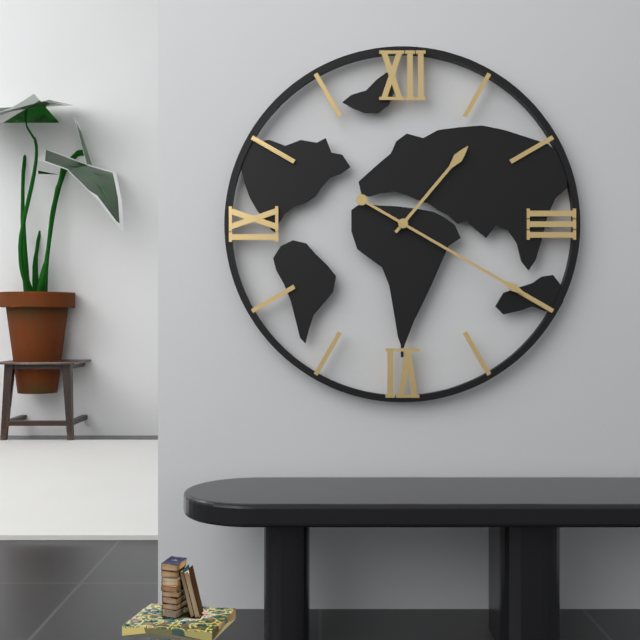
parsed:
1:20
